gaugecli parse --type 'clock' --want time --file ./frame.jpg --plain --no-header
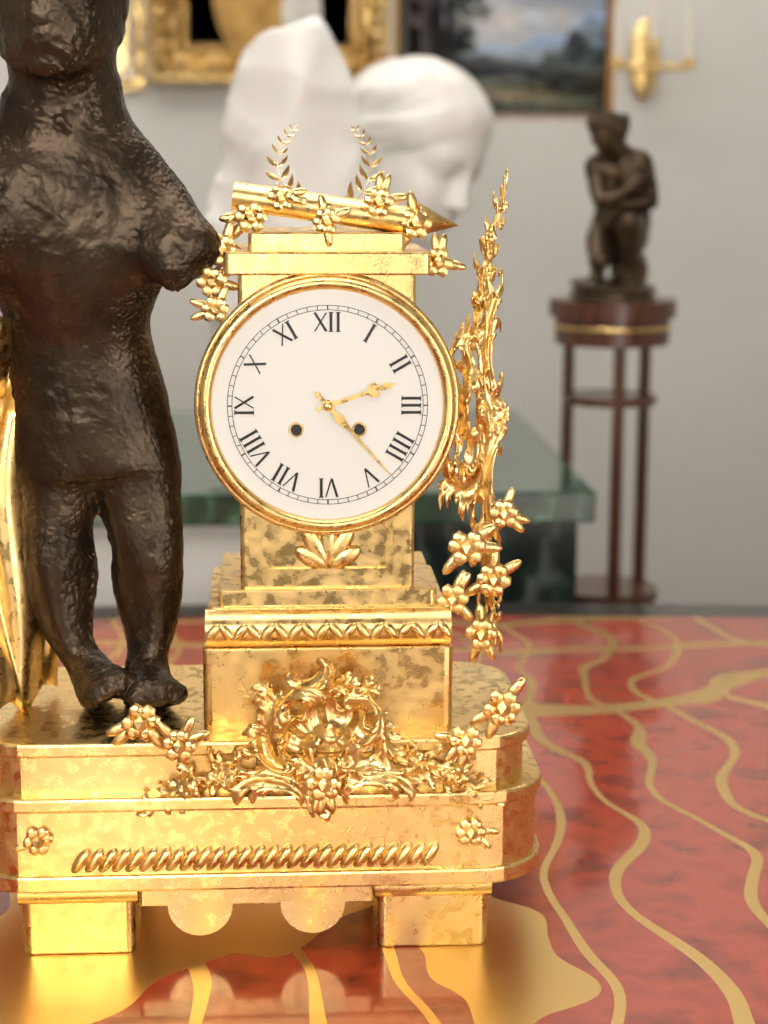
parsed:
2:23
